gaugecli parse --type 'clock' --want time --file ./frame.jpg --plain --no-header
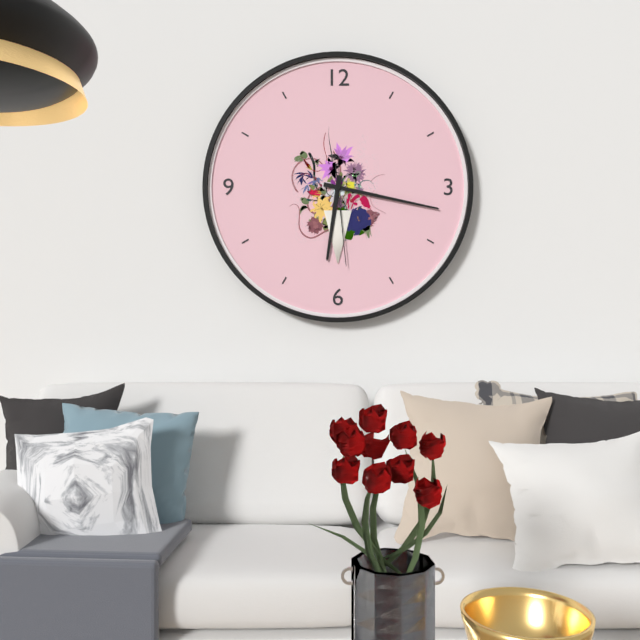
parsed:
6:17:29
